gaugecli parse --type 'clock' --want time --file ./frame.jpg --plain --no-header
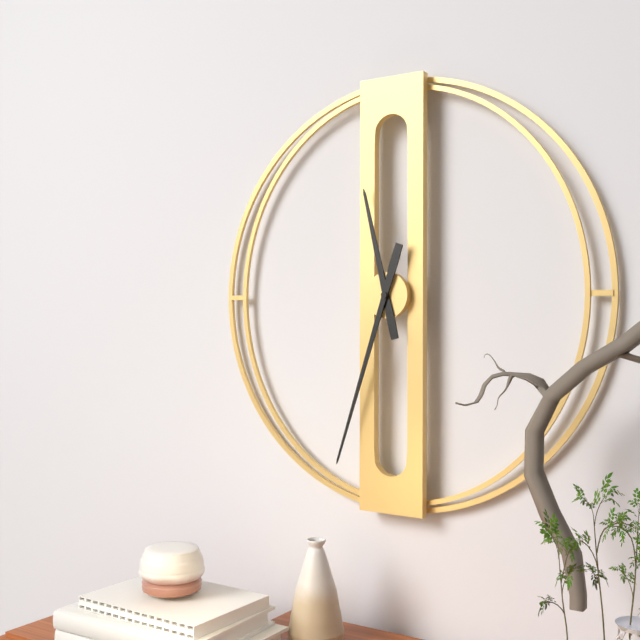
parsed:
11:33
